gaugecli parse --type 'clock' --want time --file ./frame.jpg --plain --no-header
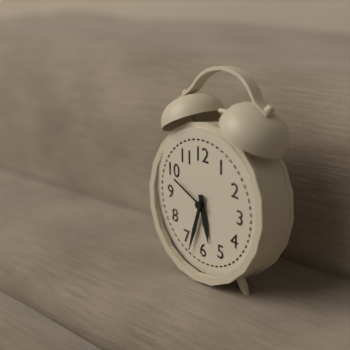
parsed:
5:33
